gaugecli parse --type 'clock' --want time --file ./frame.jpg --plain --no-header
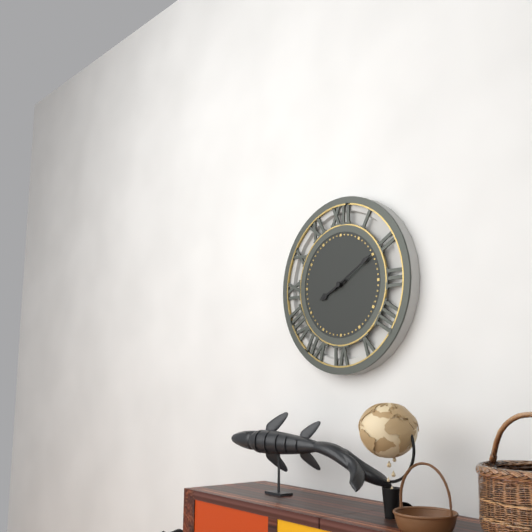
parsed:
8:10
